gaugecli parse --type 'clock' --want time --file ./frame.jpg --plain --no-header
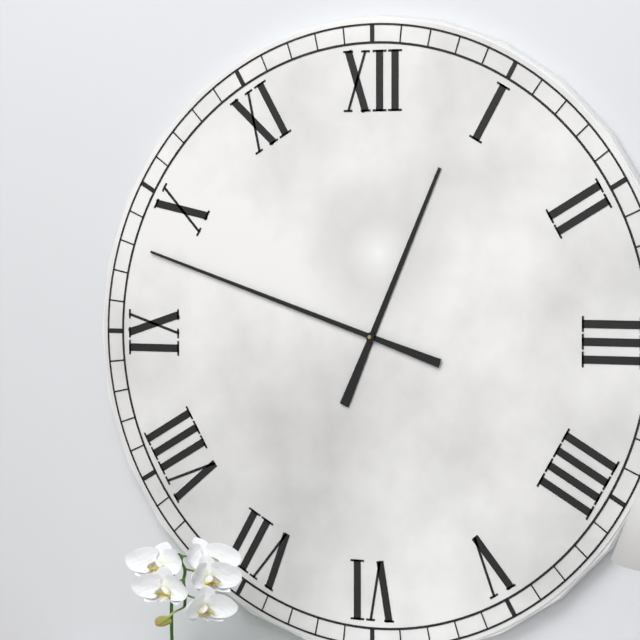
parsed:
12:48
